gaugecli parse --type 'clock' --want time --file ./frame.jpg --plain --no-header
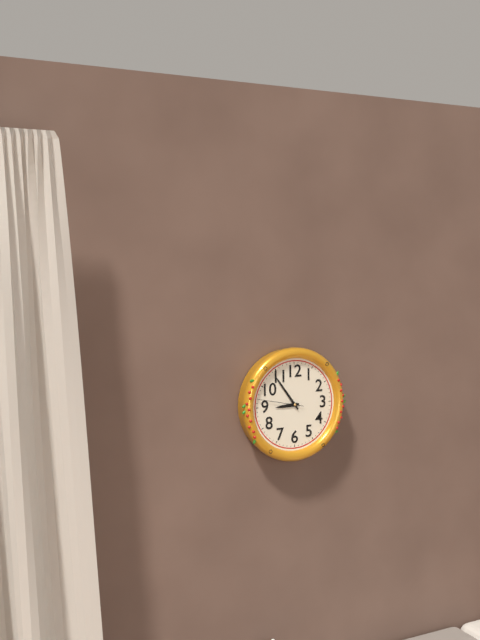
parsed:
8:54
